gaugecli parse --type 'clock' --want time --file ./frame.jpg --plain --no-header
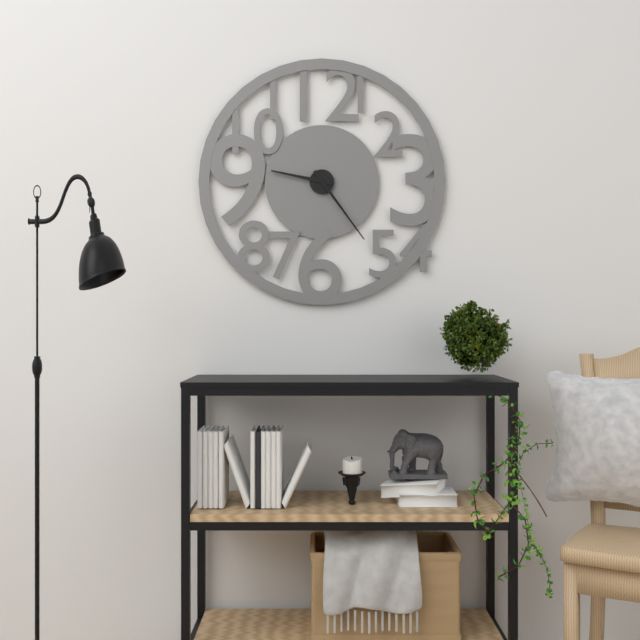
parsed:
9:24
